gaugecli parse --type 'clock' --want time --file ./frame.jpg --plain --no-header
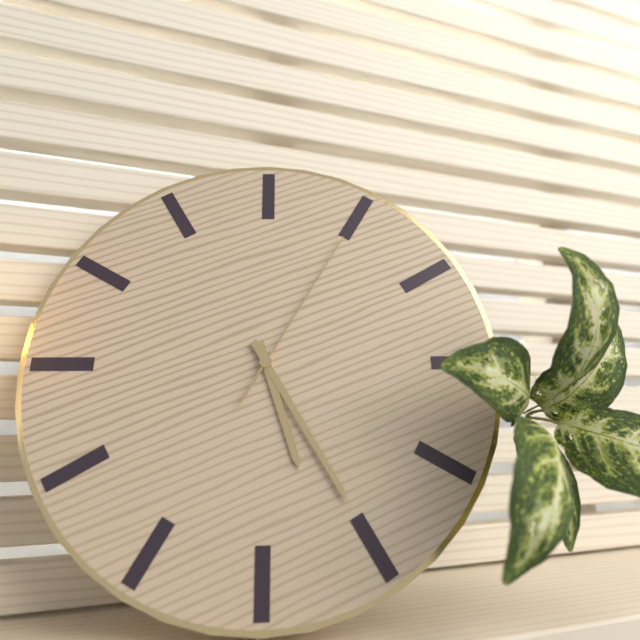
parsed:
5:25:05
